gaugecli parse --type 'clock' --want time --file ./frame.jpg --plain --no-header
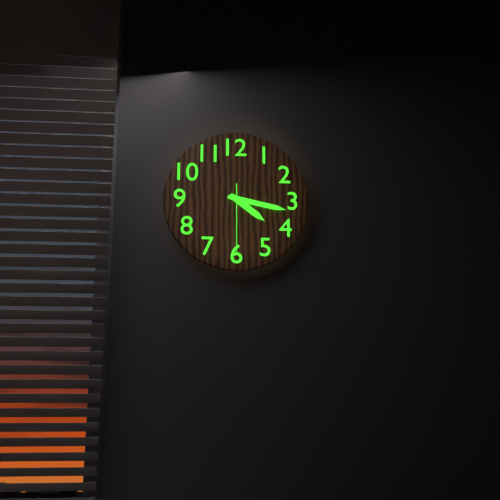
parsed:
4:17:30
